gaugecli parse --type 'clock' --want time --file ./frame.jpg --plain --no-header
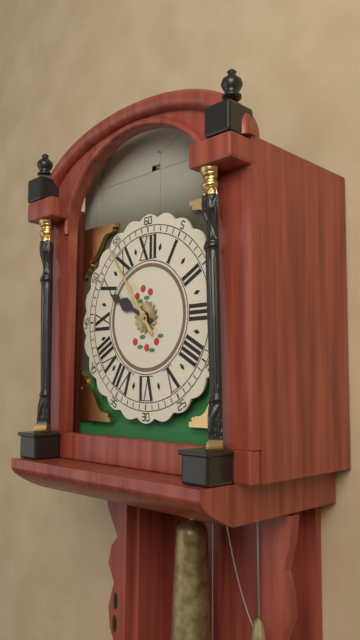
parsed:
9:54
